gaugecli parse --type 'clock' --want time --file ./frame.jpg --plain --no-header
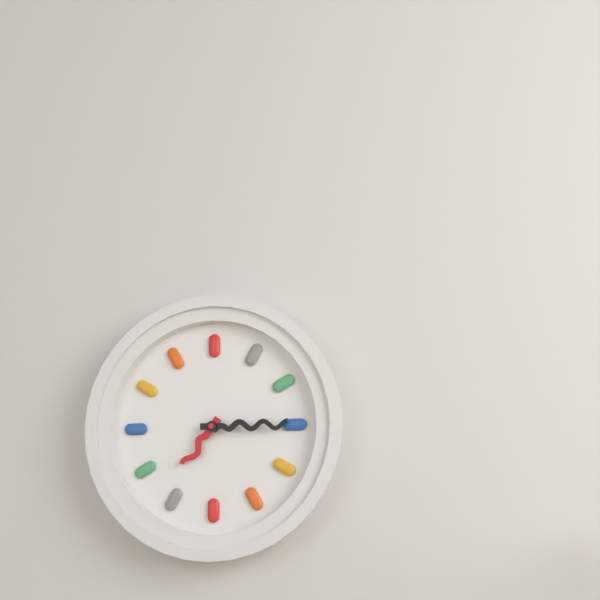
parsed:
7:15
